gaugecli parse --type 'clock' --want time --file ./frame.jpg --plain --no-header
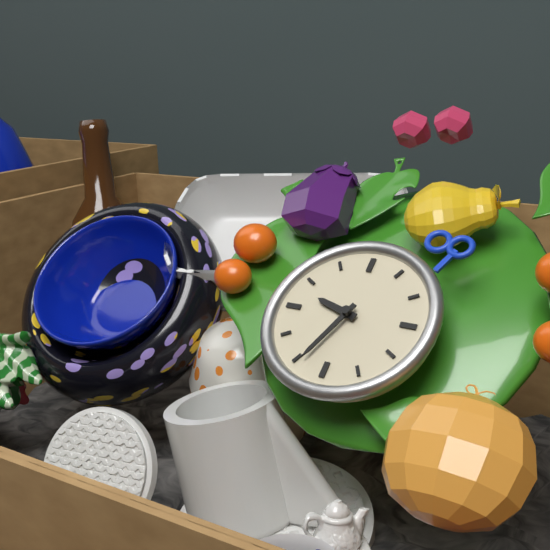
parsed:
9:34
